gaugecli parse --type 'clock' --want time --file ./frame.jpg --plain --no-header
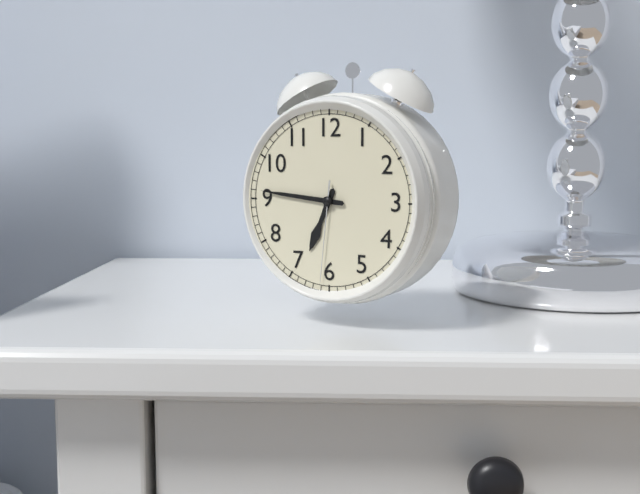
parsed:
6:46:31
